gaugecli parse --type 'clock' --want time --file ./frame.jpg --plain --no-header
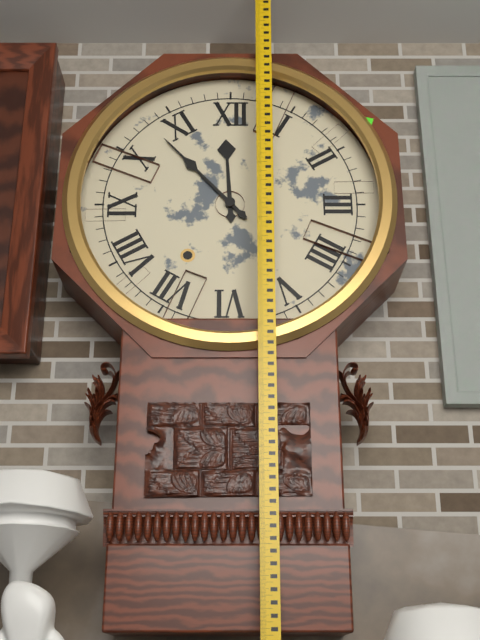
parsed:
11:53
